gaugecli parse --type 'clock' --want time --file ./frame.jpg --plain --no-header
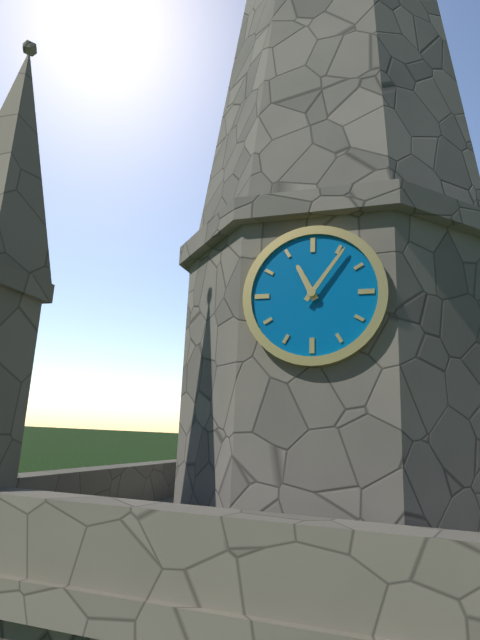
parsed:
11:06
